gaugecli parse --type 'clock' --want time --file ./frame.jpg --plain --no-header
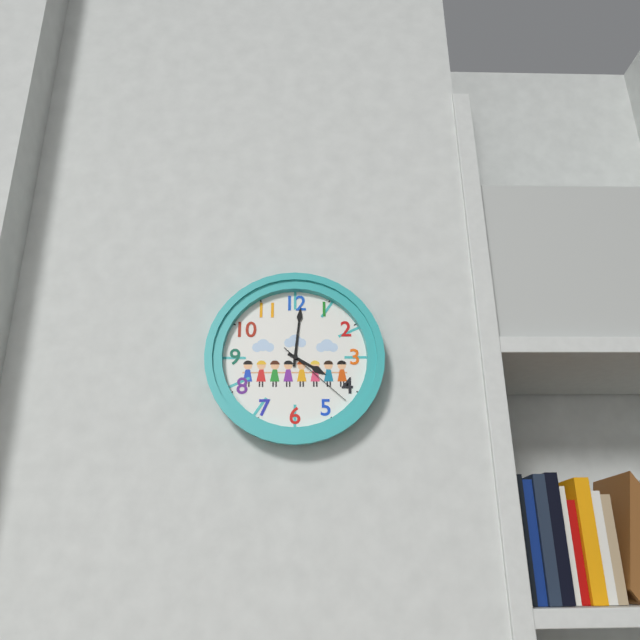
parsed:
4:01:22
